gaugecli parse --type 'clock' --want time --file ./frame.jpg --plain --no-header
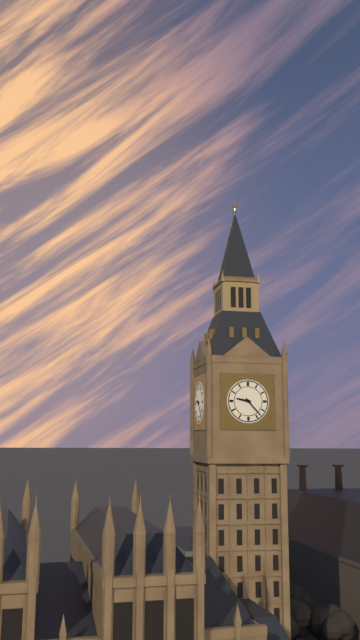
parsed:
9:23
